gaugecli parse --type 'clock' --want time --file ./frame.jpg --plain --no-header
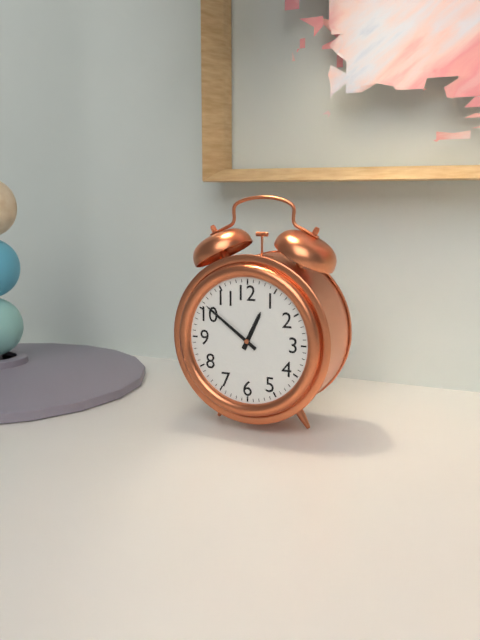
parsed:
12:51
